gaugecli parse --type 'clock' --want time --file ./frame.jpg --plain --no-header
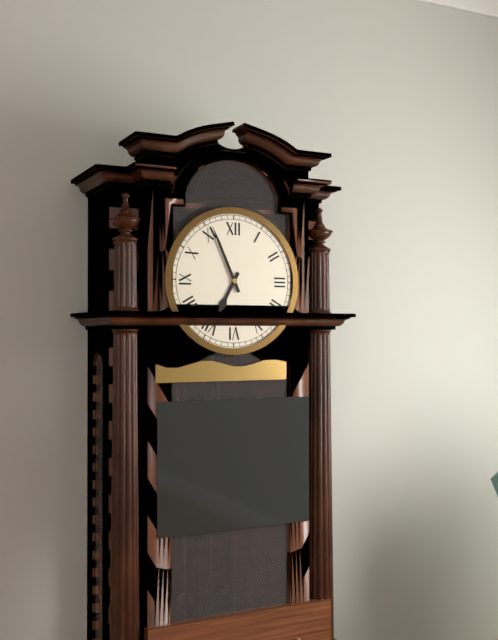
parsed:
6:56
